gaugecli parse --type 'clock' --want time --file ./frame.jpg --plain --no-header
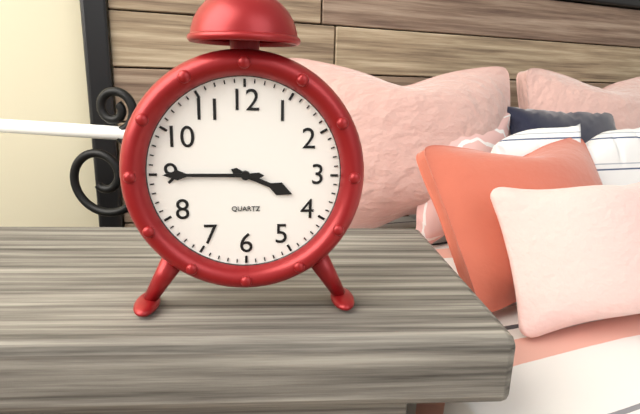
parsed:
3:45
